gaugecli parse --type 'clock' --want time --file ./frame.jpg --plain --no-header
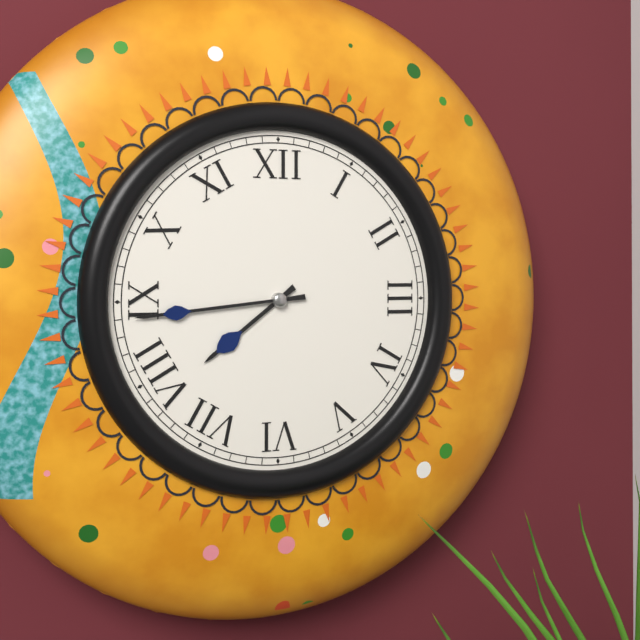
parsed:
7:44
